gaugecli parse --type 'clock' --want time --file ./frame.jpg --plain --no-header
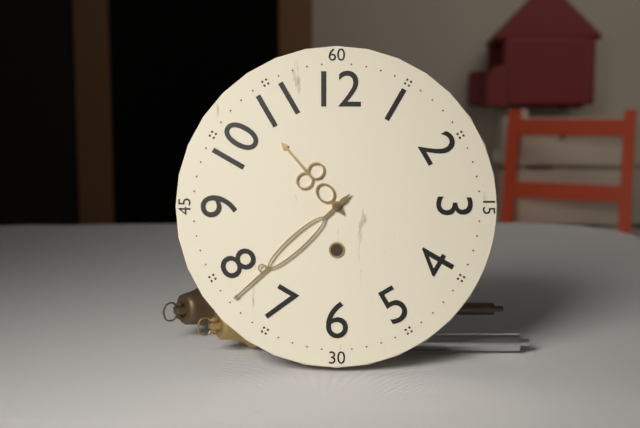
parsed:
10:38
